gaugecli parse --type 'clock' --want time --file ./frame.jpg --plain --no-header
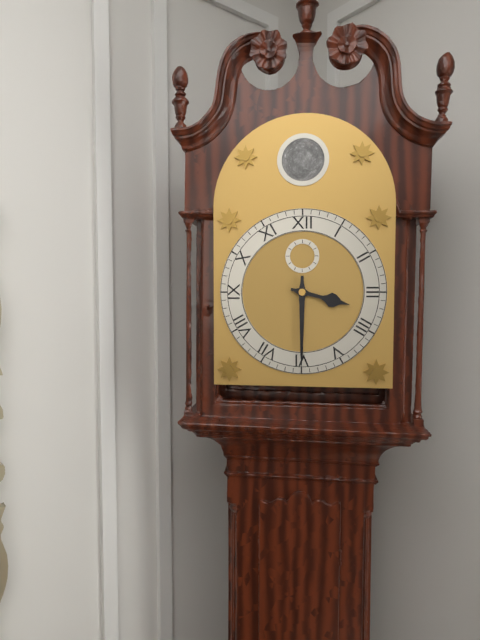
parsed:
3:30
